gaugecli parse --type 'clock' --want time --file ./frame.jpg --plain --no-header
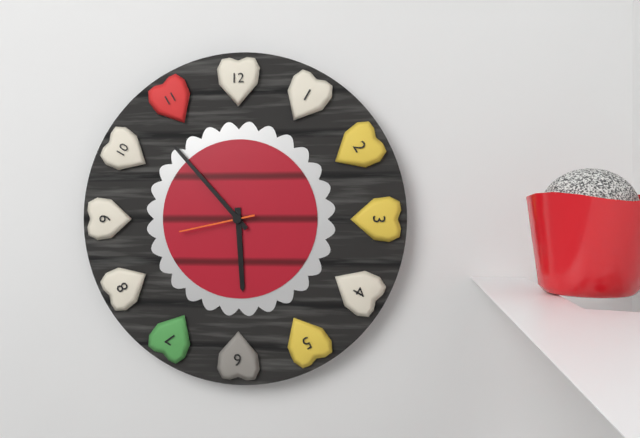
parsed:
5:53:43
